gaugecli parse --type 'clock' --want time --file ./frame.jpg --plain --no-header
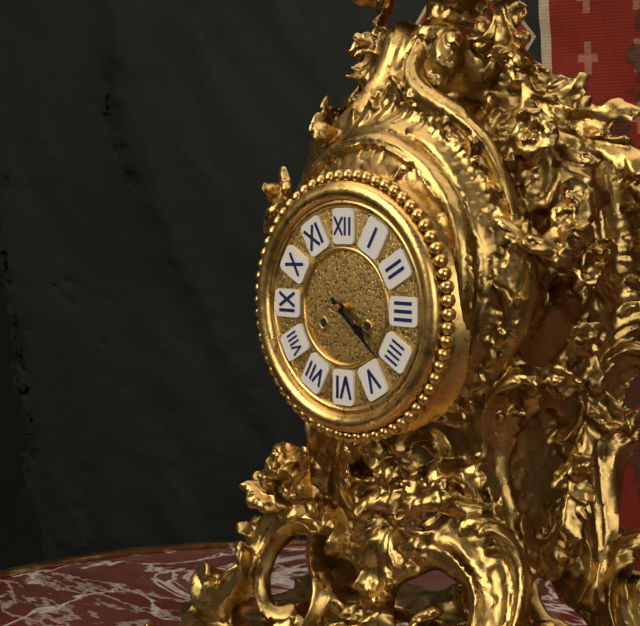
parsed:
4:22
